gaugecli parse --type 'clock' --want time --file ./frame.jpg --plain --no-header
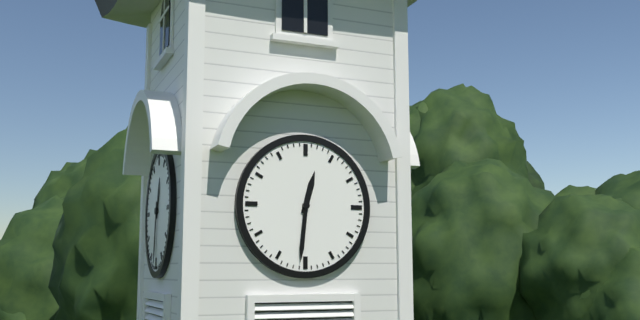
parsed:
12:31
